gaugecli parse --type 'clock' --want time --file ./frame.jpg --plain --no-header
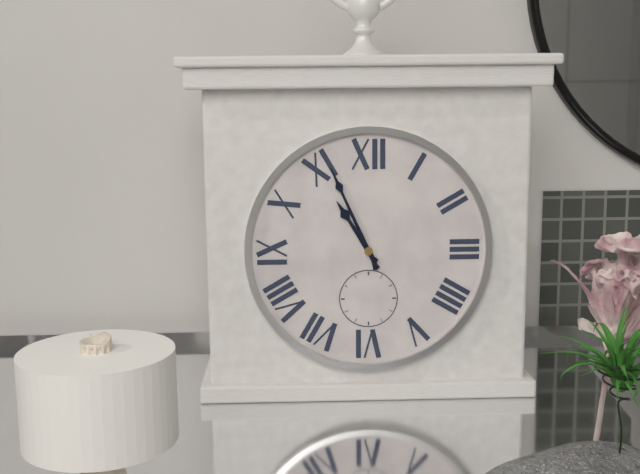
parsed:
10:56
